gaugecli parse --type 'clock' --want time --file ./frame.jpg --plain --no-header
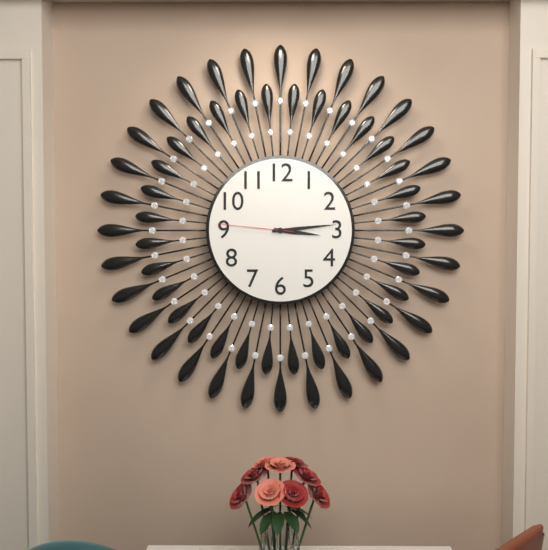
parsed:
3:14:46
